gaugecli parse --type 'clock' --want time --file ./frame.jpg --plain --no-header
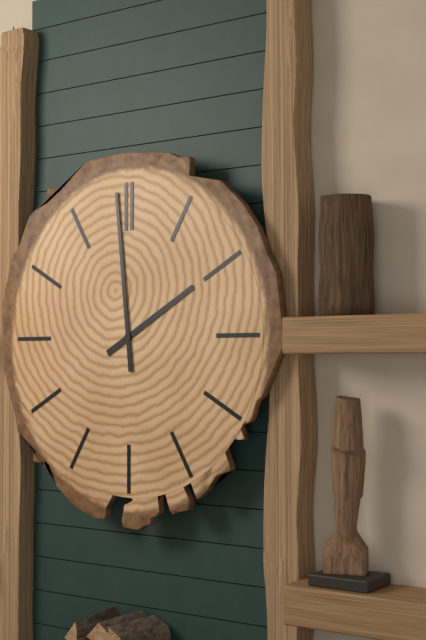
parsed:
1:59
